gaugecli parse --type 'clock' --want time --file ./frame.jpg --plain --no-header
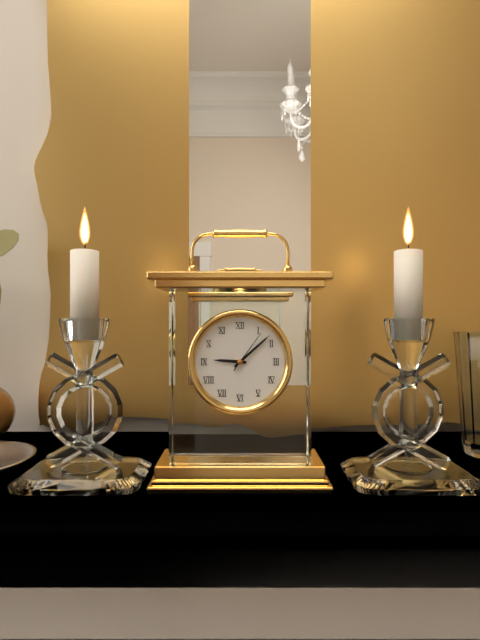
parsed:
9:08
